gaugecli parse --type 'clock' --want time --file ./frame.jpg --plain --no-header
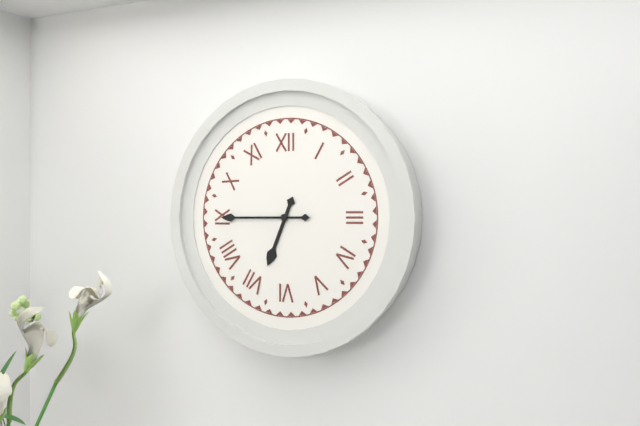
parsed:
6:45
